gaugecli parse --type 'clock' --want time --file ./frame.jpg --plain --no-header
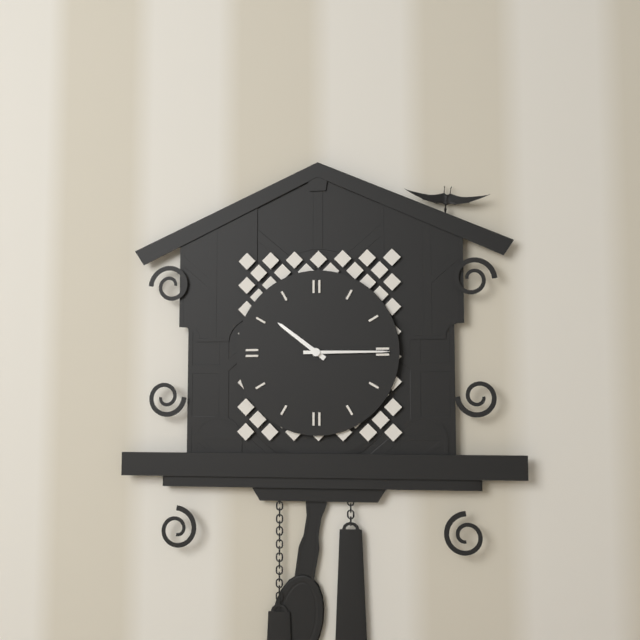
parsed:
10:15
